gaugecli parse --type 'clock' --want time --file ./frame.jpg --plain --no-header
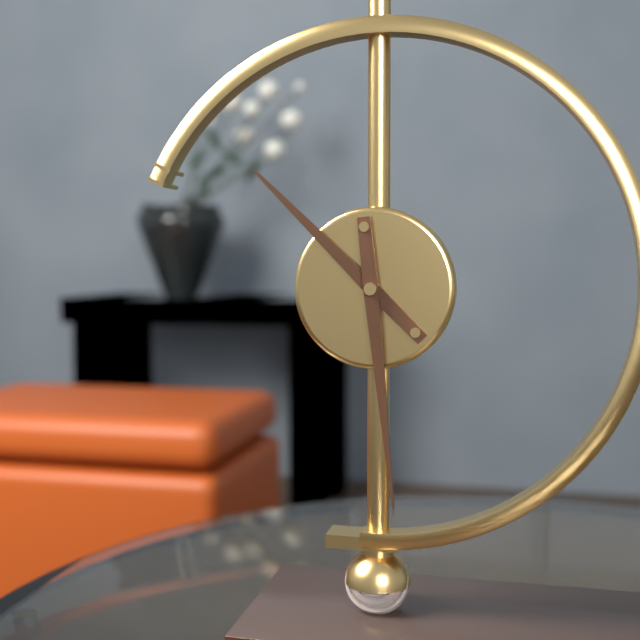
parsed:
10:29
